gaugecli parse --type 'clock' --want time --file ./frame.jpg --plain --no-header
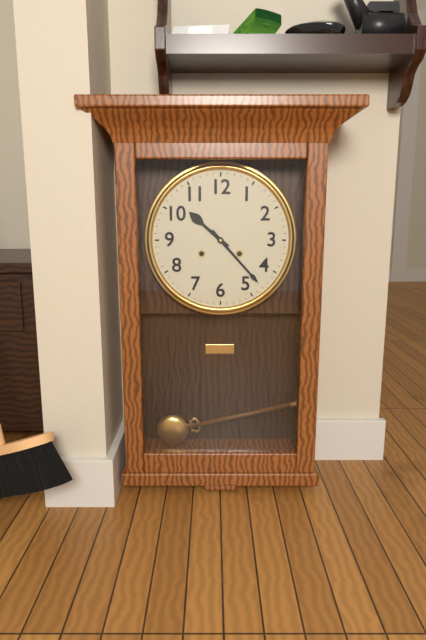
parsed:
10:23
